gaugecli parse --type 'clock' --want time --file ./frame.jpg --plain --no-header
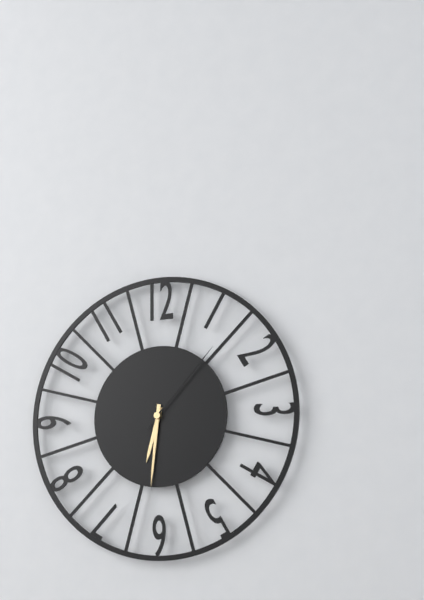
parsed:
6:31:07
